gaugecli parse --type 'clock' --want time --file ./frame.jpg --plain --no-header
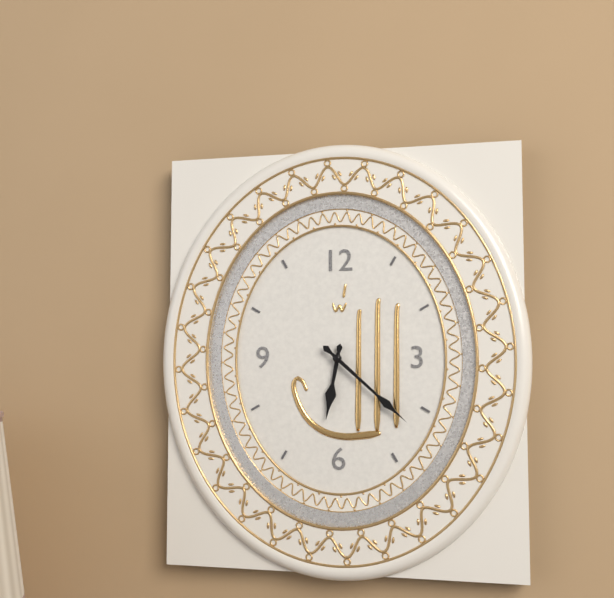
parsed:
6:22
